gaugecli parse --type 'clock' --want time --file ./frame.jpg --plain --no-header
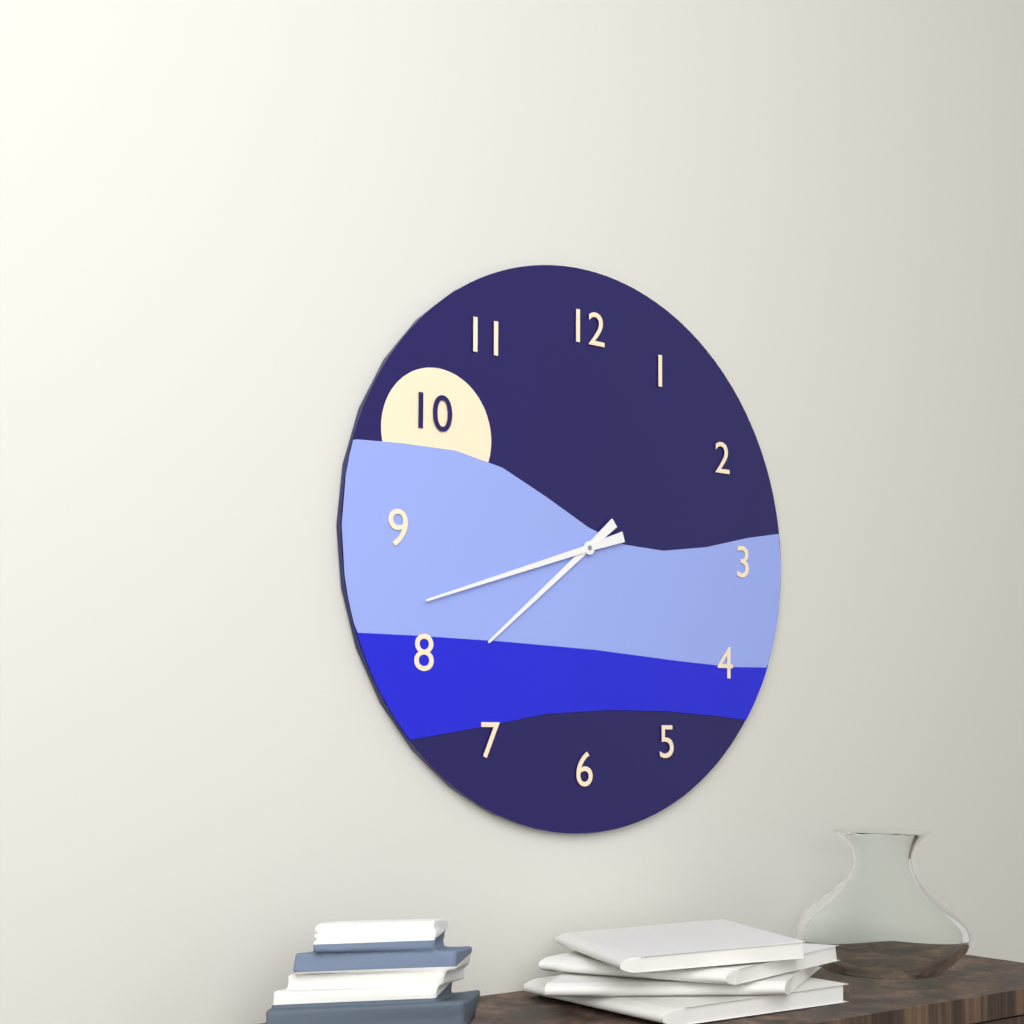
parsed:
7:42
